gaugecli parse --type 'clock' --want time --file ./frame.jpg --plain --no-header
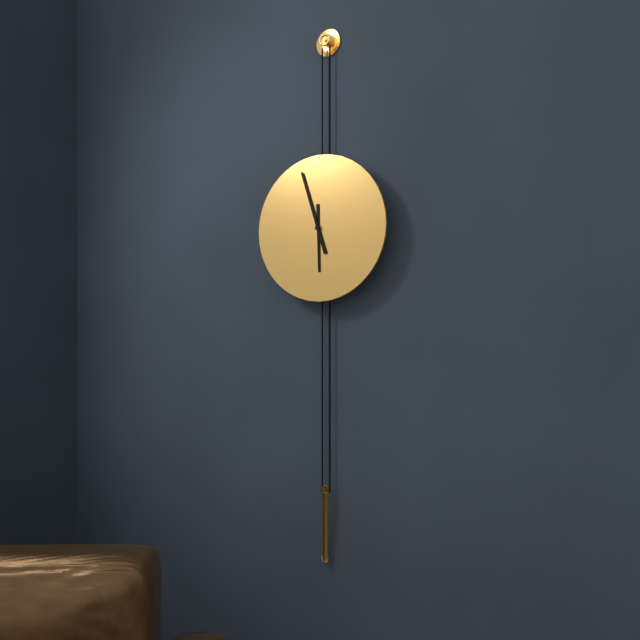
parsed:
5:57
